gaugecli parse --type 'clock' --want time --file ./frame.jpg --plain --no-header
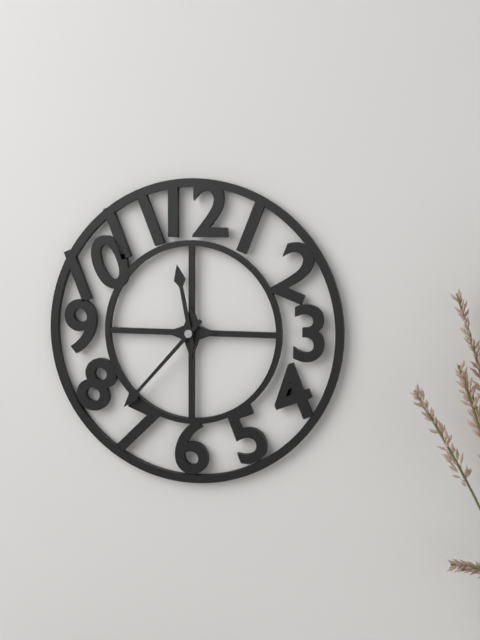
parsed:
11:37
